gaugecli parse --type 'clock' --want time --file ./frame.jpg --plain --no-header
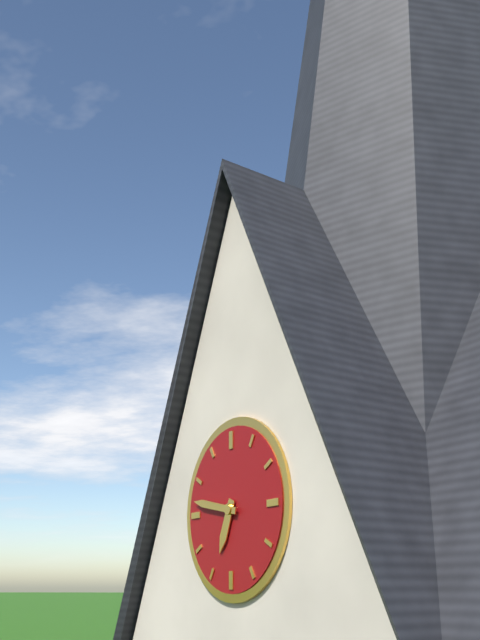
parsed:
6:47
